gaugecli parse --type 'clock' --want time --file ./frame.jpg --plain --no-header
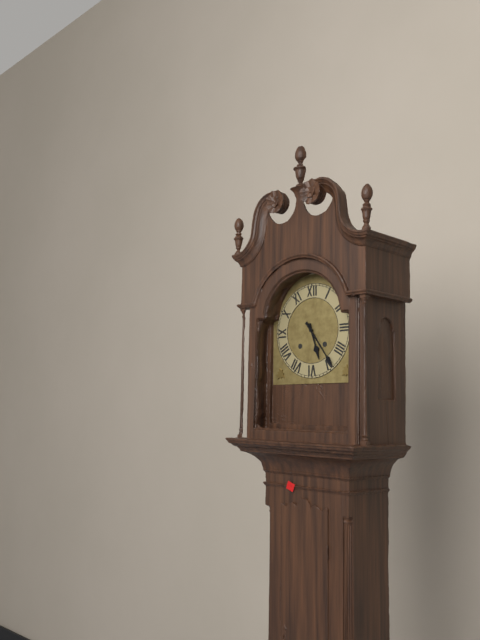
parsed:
5:24
